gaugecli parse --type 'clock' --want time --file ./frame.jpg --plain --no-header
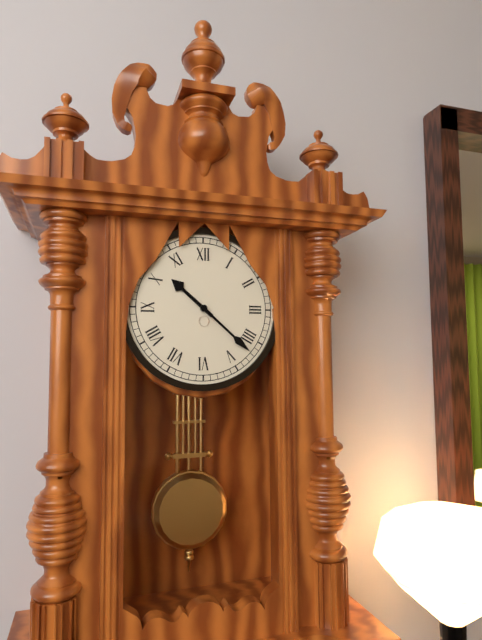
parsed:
10:22
